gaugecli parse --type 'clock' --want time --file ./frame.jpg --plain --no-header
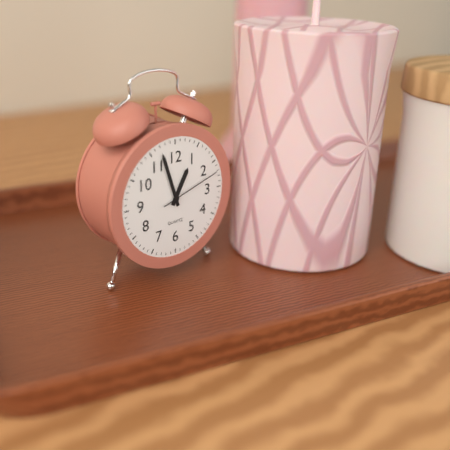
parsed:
12:57:12
